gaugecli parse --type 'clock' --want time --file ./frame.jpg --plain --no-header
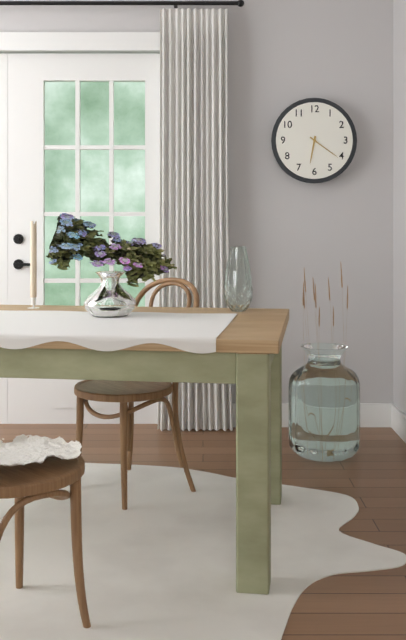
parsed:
6:21
